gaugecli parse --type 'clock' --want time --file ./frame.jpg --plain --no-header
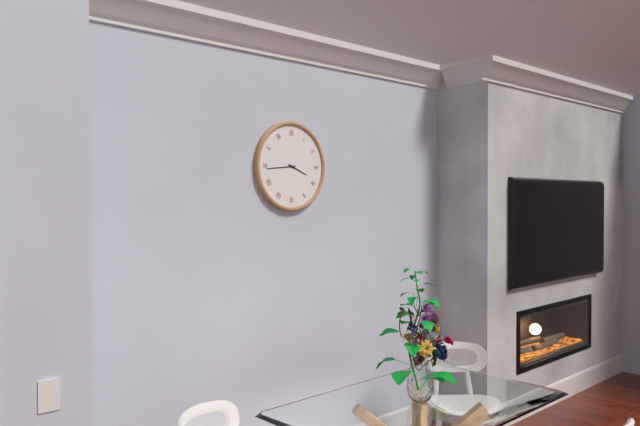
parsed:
3:44
